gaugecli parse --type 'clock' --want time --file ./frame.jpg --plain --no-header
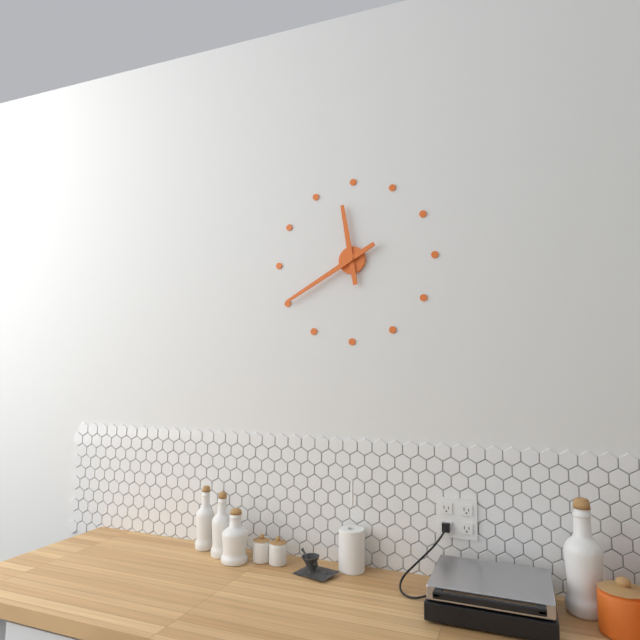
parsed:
11:40
